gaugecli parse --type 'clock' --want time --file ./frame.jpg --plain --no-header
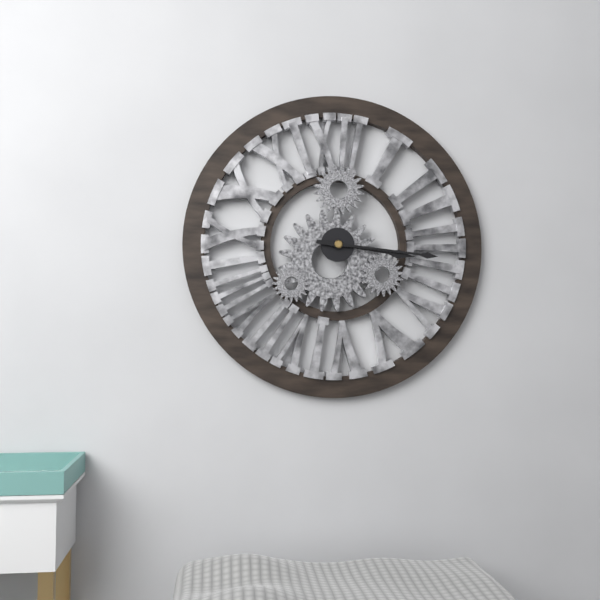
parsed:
3:16
